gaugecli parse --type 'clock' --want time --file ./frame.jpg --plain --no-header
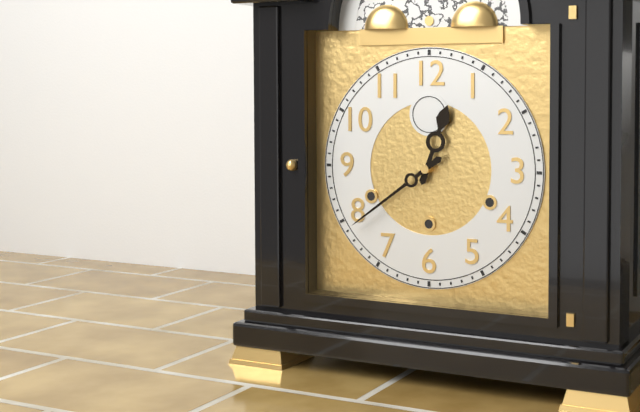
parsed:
12:39
